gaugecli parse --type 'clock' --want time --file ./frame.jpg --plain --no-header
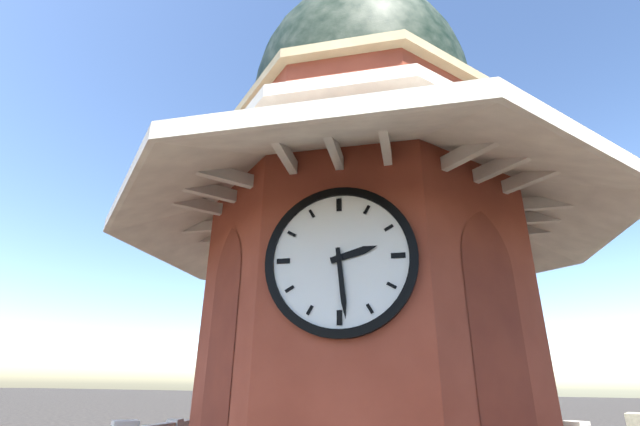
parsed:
2:29
